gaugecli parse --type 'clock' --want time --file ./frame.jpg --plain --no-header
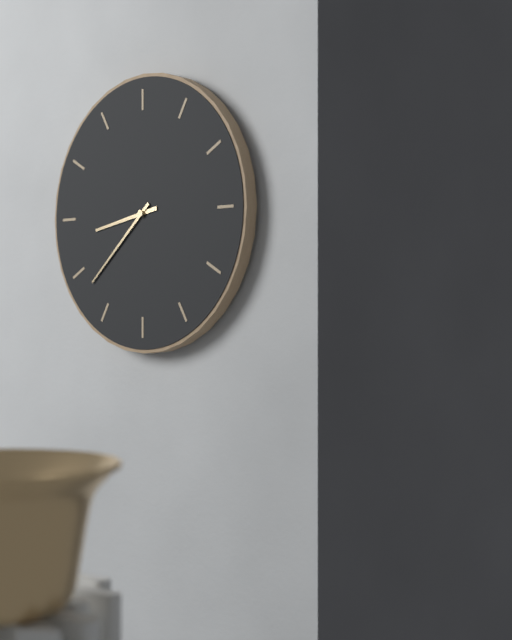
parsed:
8:38
